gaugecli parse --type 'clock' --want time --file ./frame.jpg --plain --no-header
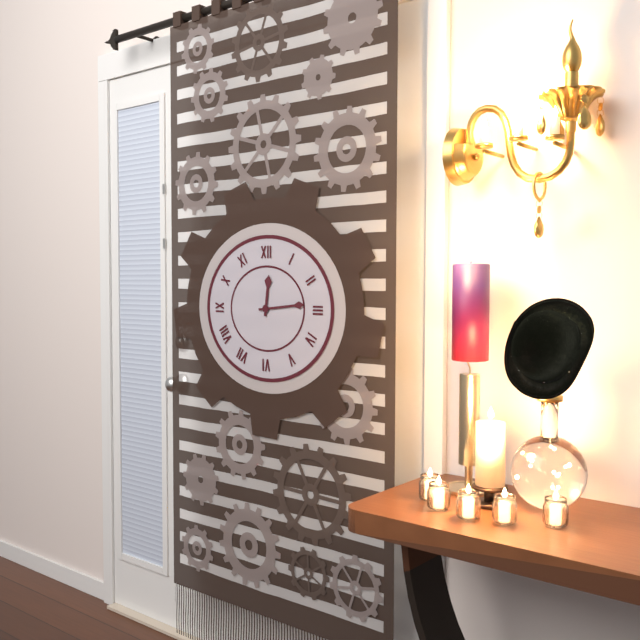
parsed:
12:14
